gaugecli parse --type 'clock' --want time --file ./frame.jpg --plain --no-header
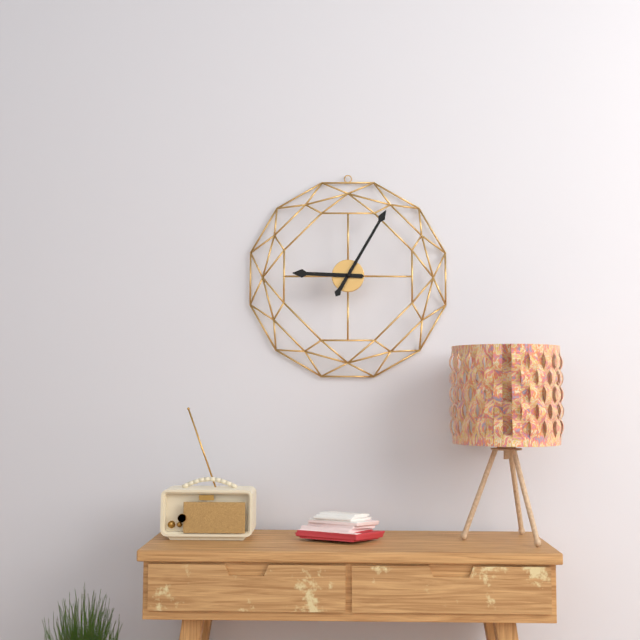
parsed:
9:05
